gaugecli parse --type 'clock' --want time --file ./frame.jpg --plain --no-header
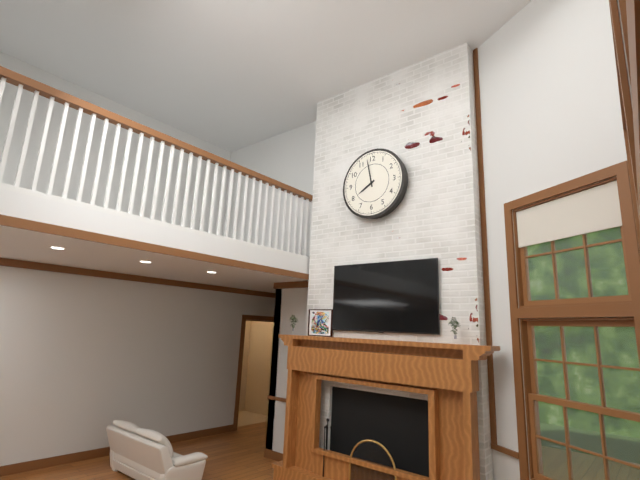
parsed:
7:58
